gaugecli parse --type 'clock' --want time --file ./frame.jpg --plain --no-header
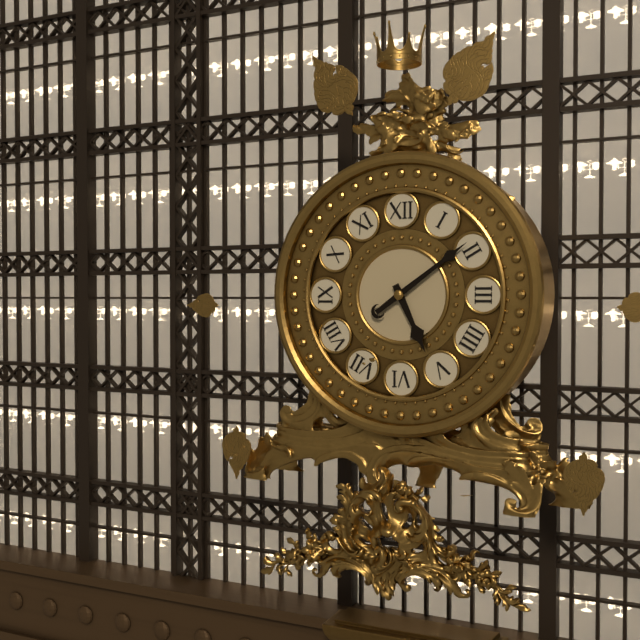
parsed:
5:09
